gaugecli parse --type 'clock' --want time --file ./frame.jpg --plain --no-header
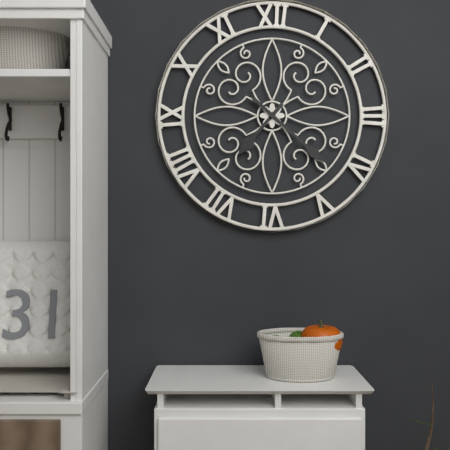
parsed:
7:22
